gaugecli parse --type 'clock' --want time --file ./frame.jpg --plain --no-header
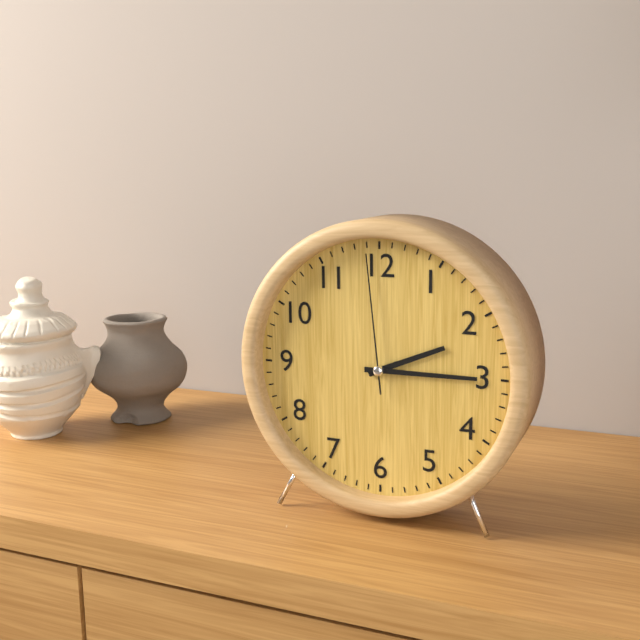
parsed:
2:15:59
